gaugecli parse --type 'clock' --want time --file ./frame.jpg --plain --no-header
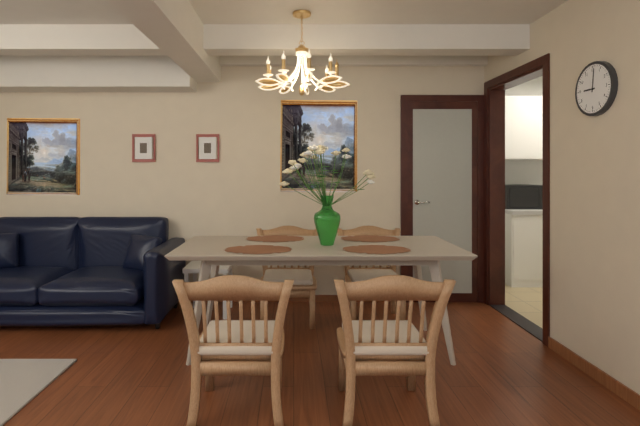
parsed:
9:01
